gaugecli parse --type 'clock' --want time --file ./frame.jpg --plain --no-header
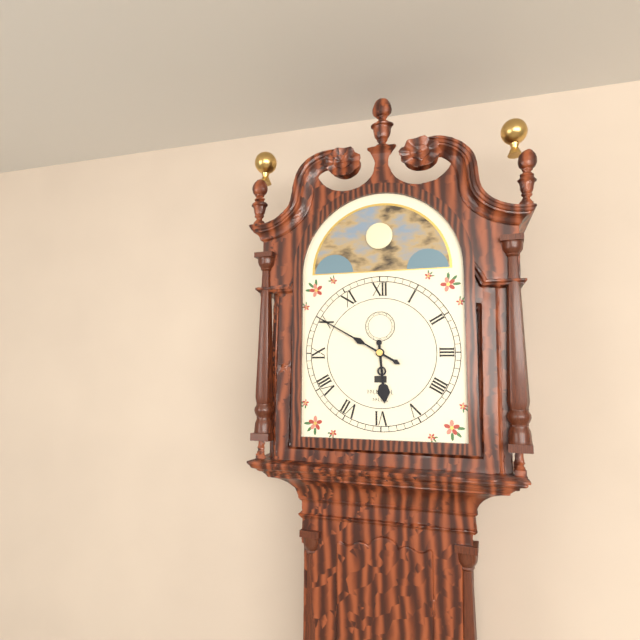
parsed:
5:50
